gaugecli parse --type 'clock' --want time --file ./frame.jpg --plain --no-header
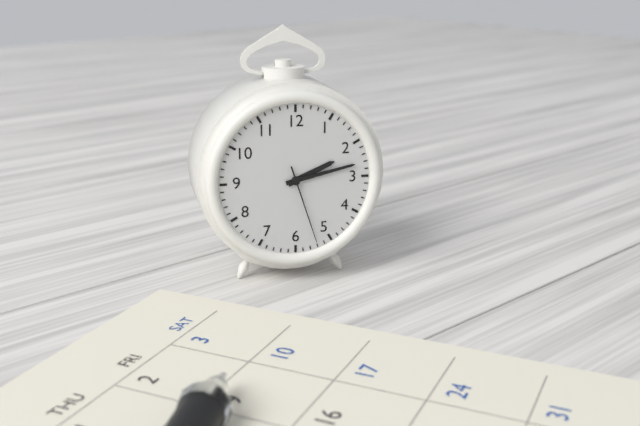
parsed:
2:13:27
